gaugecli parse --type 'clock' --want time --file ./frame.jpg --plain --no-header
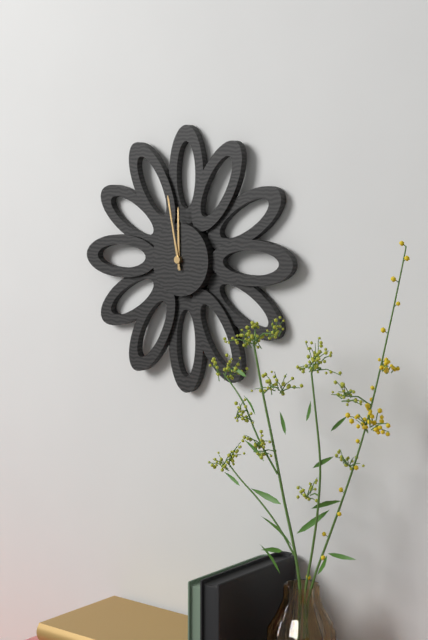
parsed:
11:58
